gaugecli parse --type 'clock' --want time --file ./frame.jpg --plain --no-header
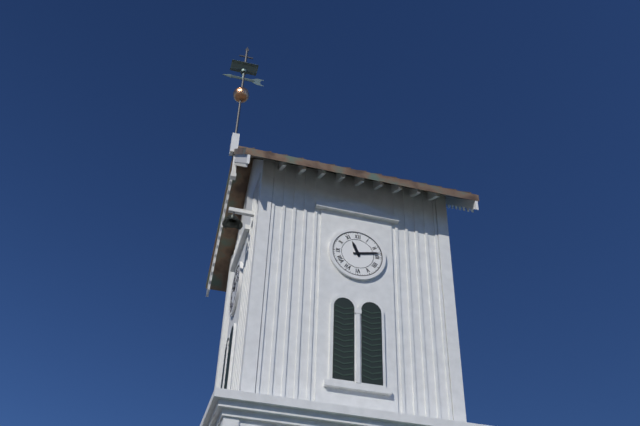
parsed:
11:13
